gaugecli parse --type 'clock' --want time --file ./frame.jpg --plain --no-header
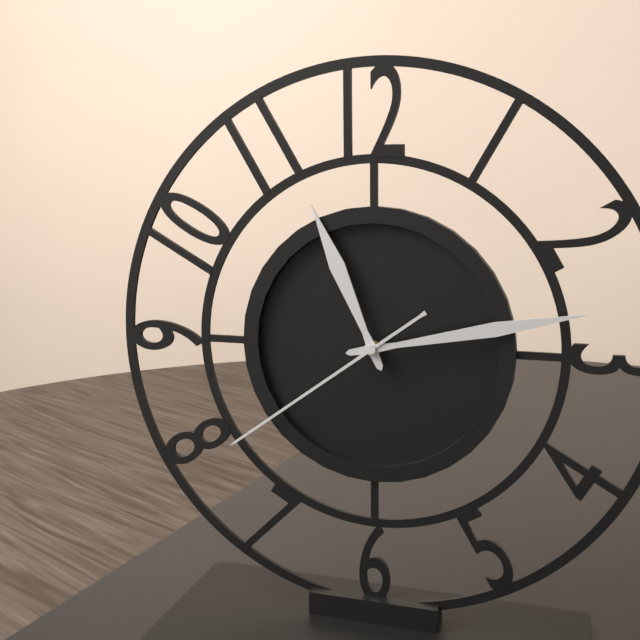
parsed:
11:13:39
